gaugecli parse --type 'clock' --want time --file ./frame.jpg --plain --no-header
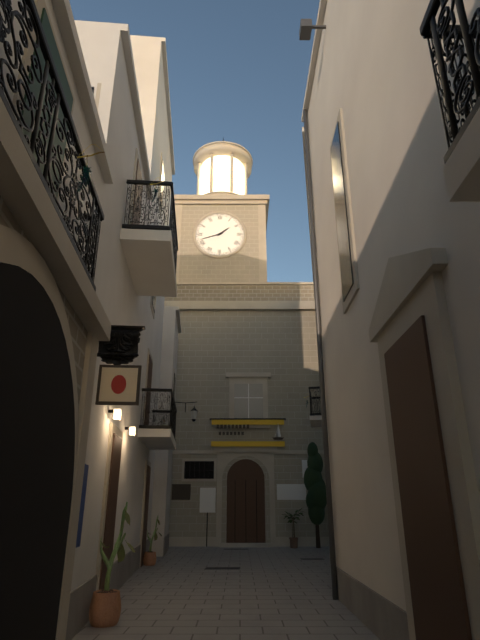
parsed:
1:42
